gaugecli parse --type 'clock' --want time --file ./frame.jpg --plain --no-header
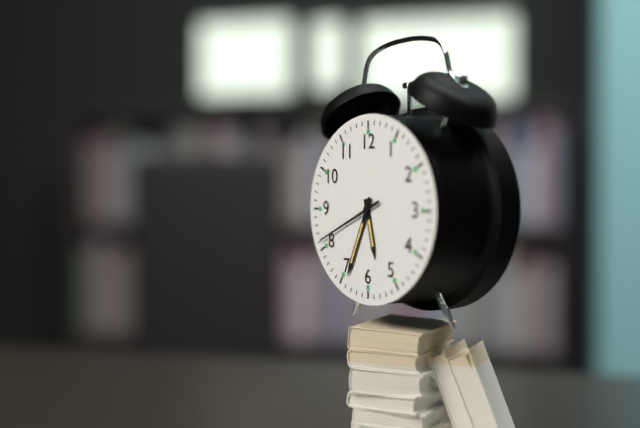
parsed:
5:34:41
